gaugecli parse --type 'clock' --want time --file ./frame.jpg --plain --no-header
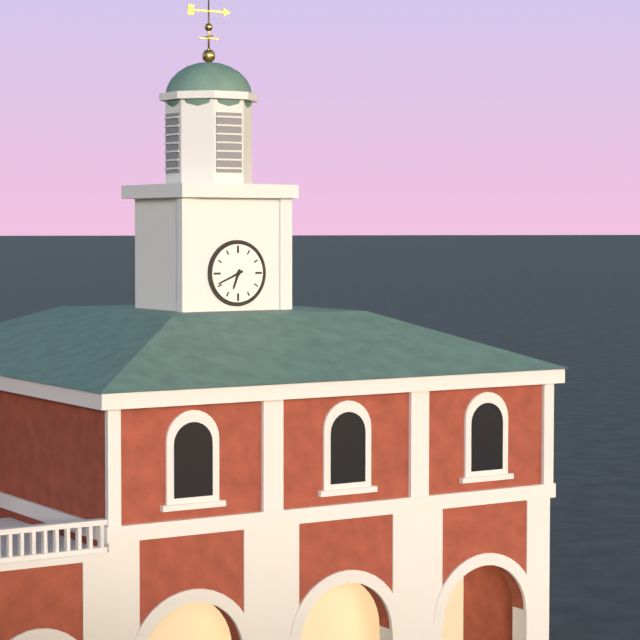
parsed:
6:41
